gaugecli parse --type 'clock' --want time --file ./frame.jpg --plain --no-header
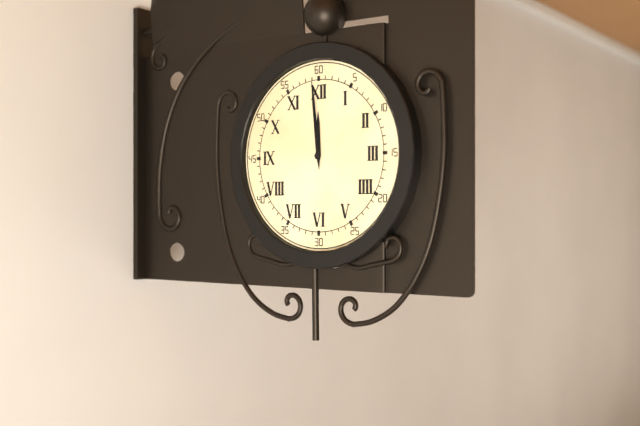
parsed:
11:59:59
